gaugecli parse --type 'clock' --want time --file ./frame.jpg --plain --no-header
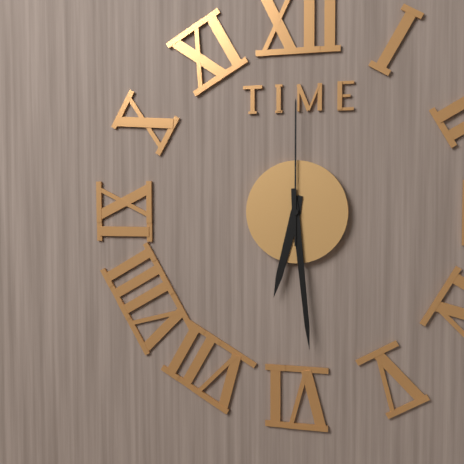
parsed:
6:29:00
